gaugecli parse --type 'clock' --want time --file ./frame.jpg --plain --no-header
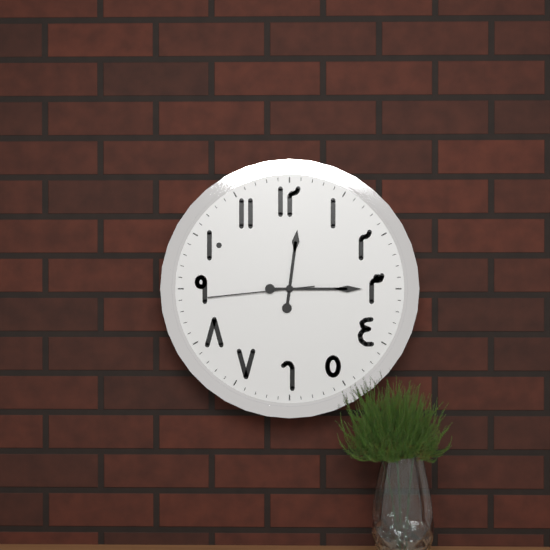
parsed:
12:15:44
